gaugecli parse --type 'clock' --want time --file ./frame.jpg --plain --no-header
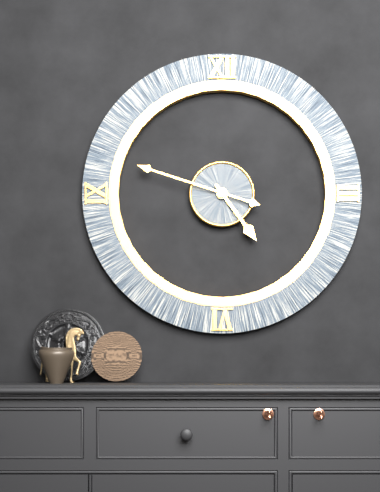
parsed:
4:48
